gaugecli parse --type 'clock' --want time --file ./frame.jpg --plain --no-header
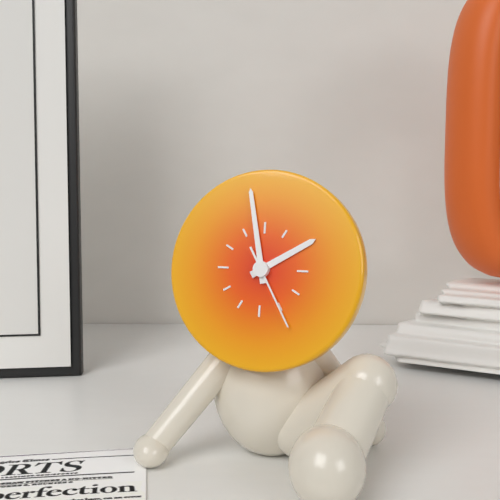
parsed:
1:58:25
